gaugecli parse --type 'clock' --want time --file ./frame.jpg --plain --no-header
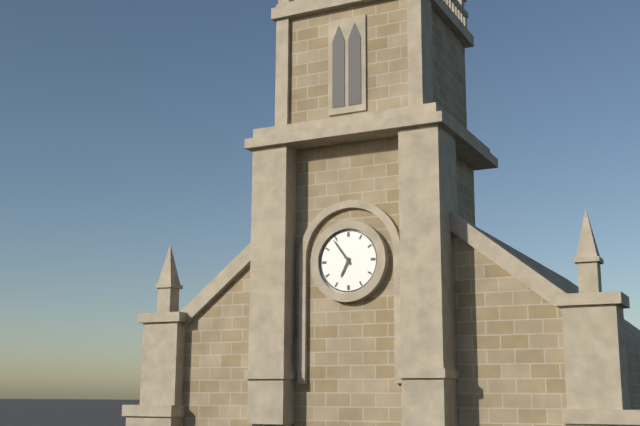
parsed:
6:54
